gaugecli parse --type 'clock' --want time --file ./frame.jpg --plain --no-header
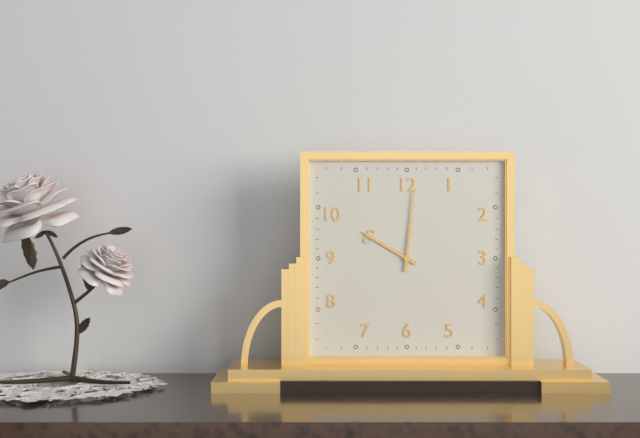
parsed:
10:01
